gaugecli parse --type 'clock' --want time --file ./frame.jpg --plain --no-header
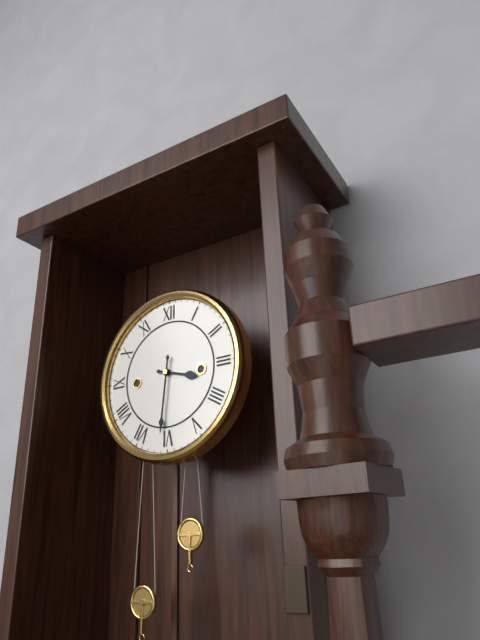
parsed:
3:31
